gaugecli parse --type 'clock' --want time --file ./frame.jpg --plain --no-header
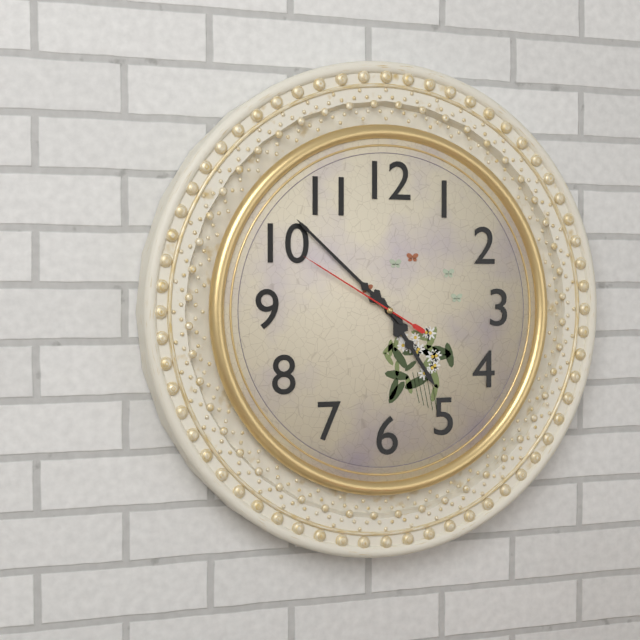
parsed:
4:52:50
